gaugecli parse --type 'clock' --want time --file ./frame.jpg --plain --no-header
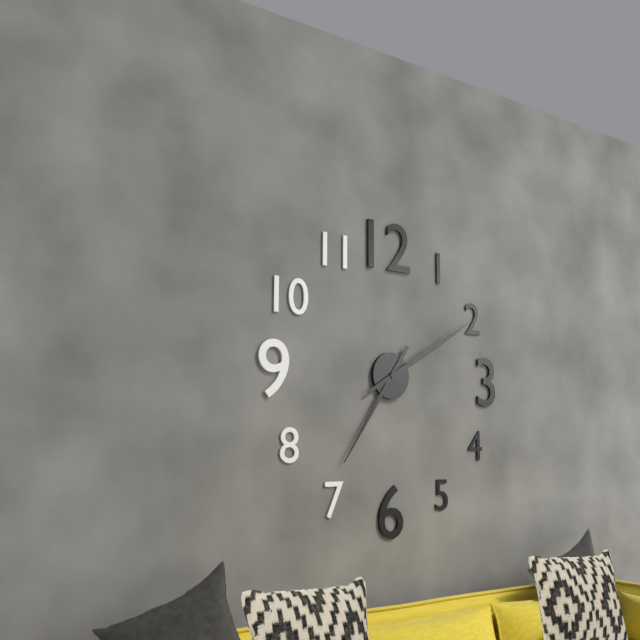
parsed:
7:10
